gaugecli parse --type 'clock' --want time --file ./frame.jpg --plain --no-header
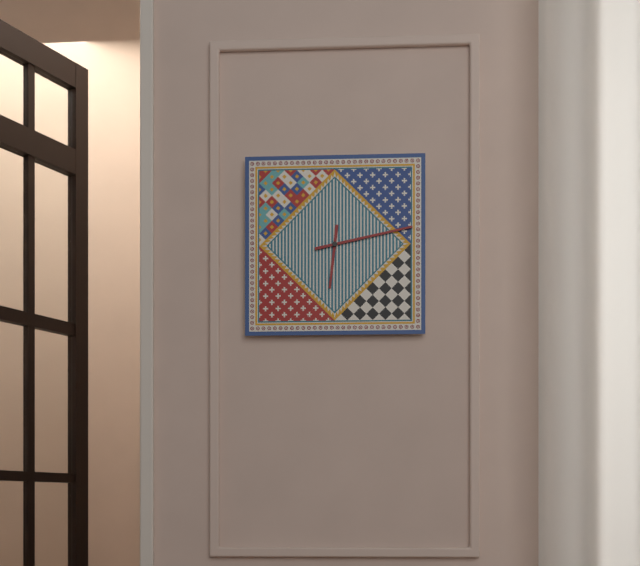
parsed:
6:13
